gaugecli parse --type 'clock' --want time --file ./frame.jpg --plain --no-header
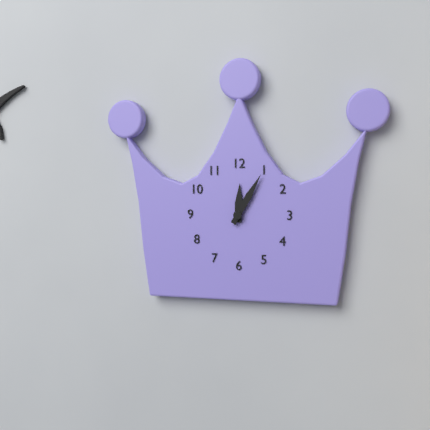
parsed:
12:05
